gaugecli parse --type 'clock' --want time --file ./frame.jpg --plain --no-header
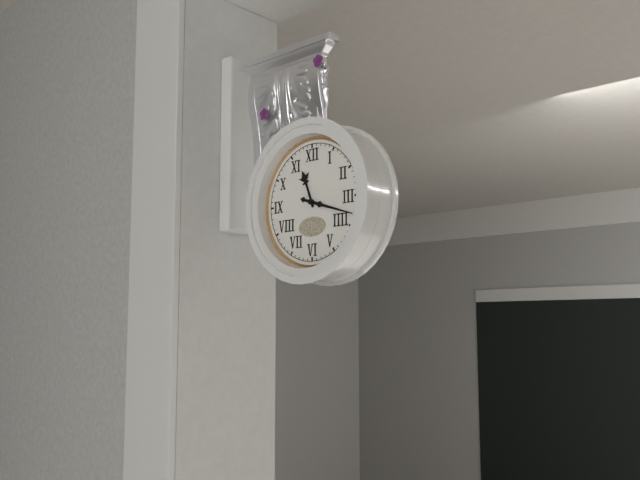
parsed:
11:18
